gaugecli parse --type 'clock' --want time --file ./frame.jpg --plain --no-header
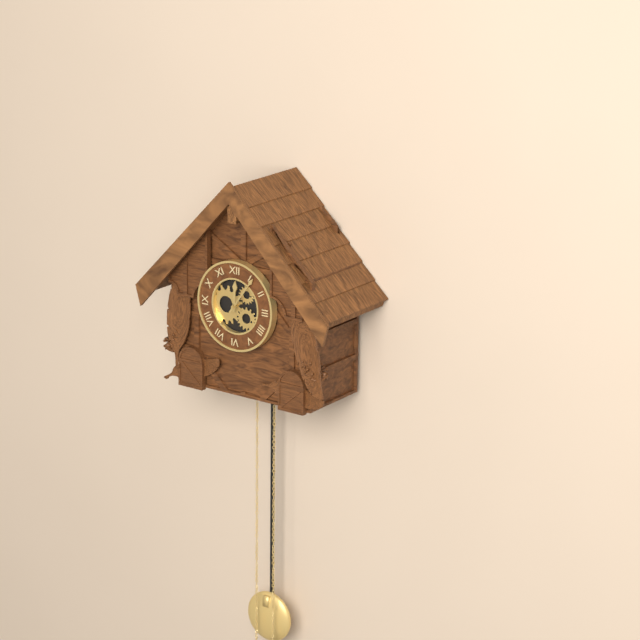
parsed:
12:06
